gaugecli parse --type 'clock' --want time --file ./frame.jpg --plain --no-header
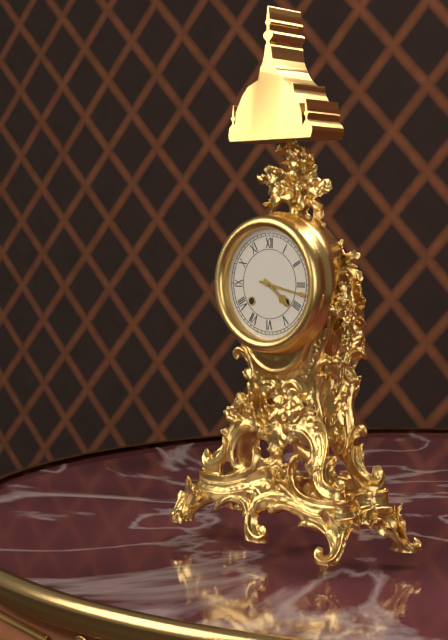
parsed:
4:17
